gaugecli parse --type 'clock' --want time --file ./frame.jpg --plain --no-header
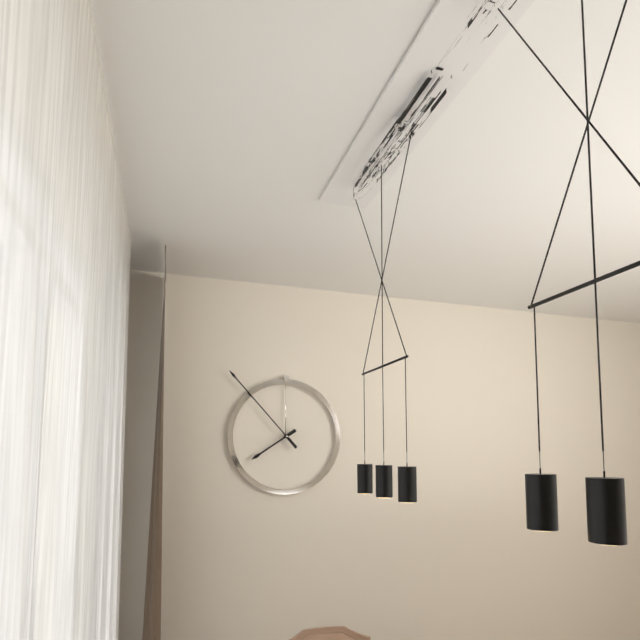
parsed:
7:53
